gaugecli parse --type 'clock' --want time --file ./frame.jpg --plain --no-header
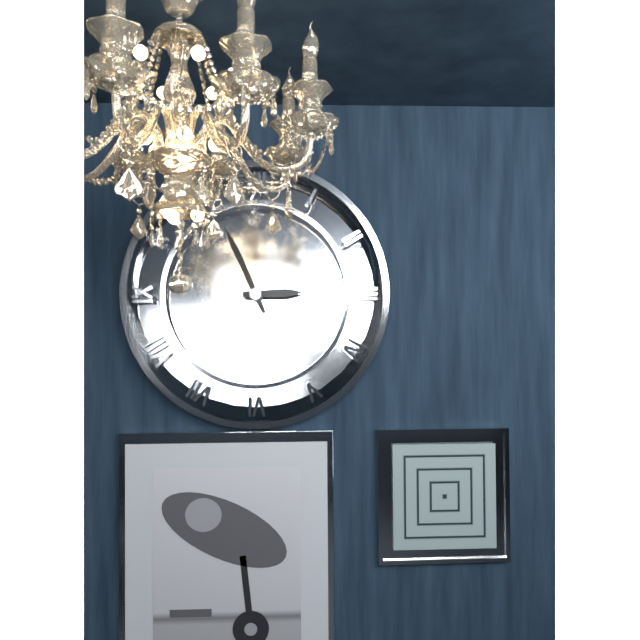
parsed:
2:56
